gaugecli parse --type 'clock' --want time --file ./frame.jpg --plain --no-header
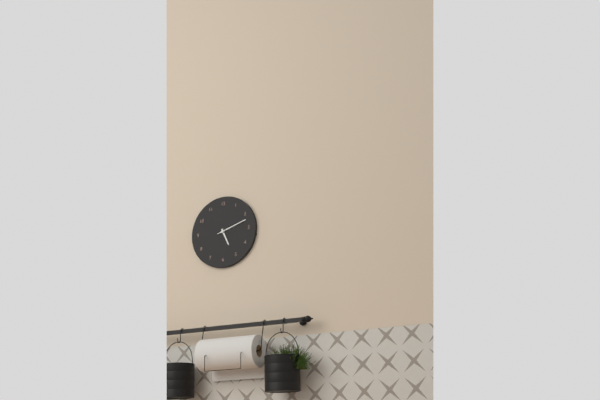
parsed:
5:12
